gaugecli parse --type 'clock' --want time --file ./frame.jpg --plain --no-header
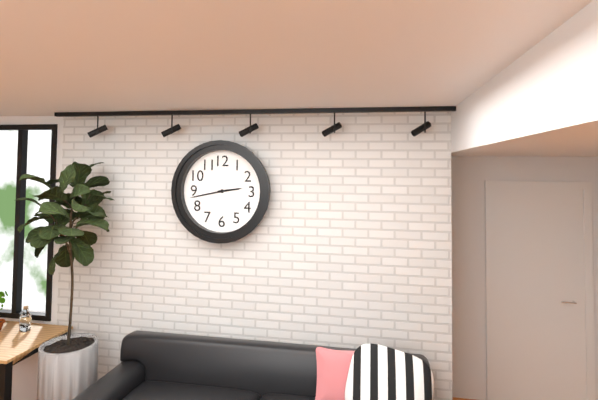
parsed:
2:43
